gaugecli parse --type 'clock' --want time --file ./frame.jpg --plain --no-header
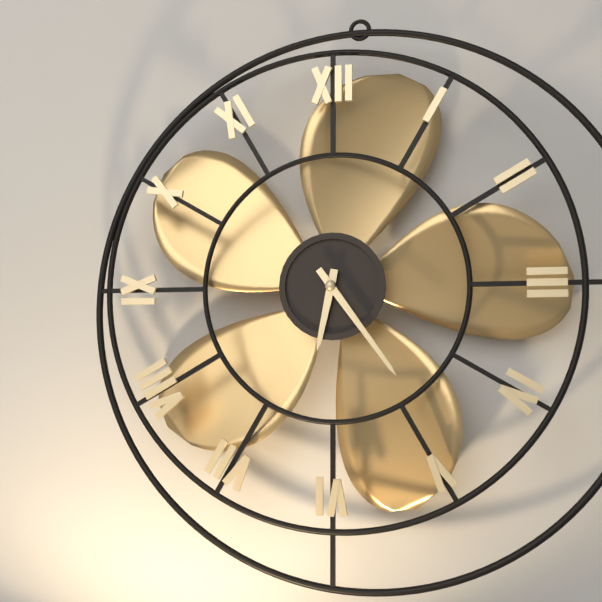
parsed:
6:24
